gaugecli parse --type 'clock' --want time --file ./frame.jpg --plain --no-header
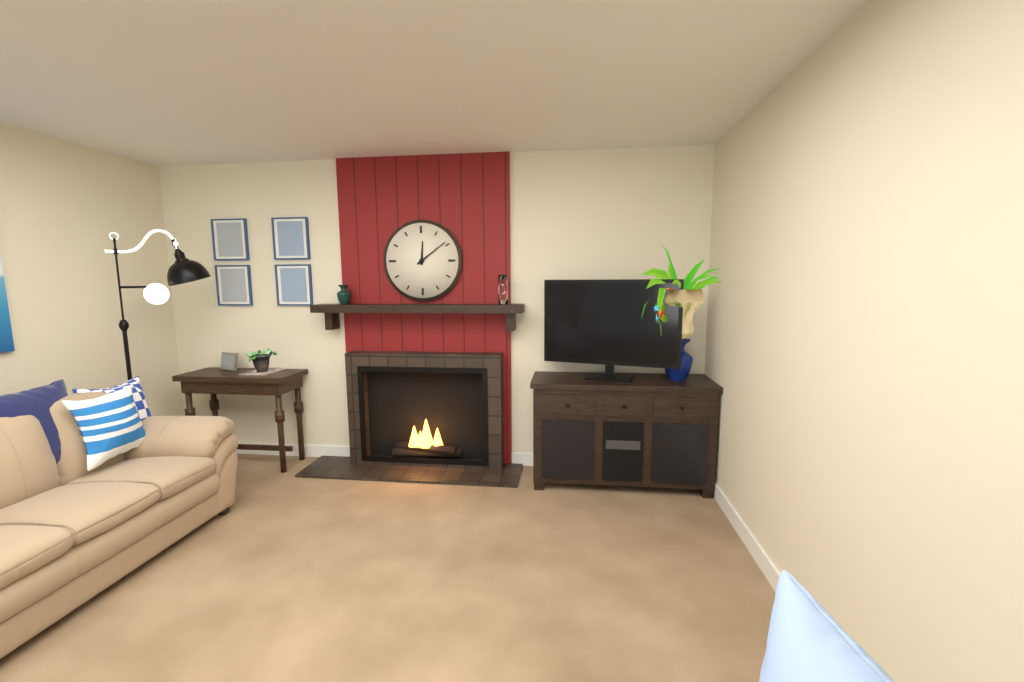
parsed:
12:09
